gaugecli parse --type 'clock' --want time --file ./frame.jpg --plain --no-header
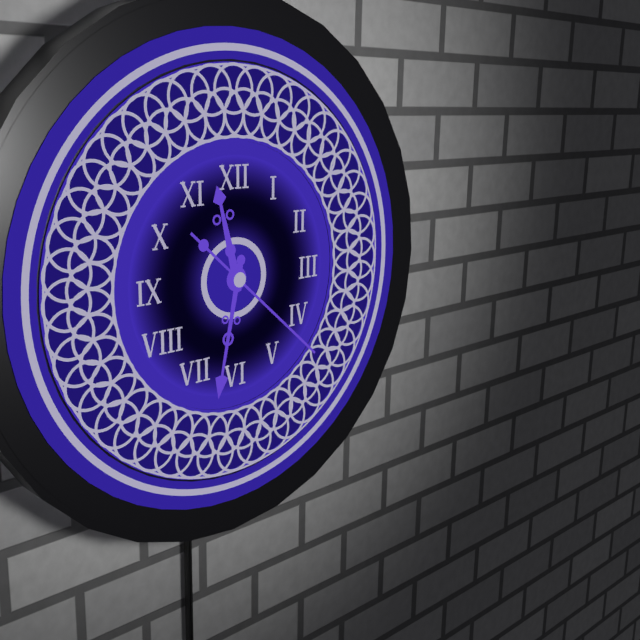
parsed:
11:32:22
